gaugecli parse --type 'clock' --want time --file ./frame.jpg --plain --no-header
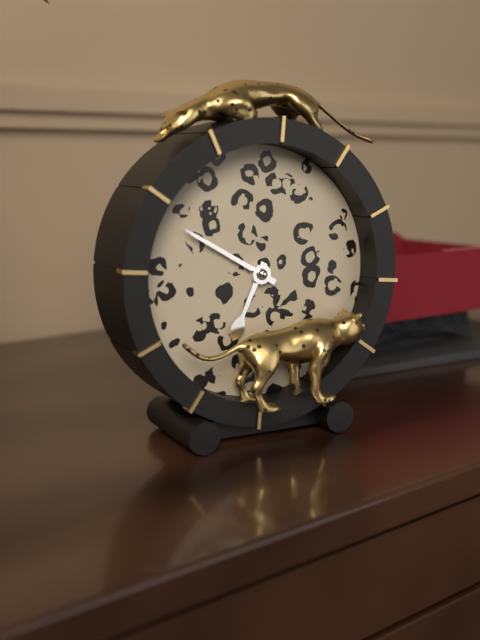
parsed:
6:50
